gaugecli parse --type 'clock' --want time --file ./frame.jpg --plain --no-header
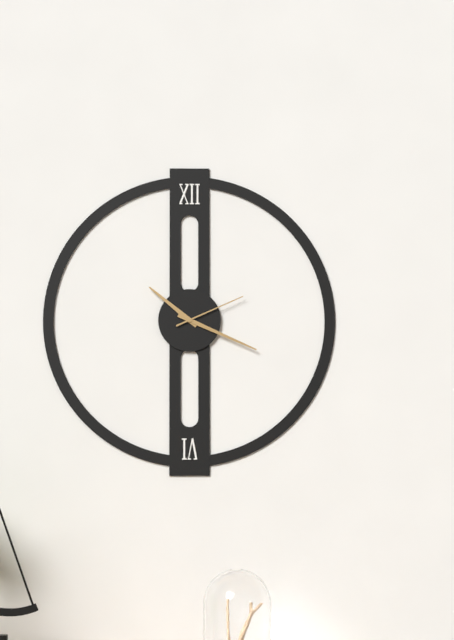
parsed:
10:19:11
